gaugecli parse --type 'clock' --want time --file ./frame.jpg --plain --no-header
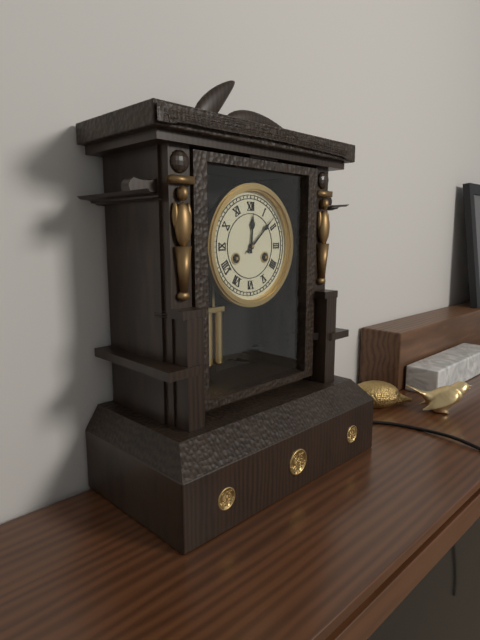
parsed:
12:08
